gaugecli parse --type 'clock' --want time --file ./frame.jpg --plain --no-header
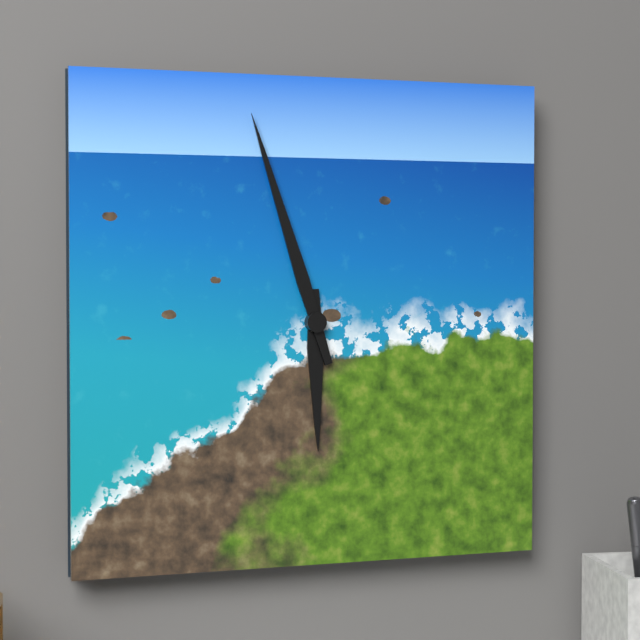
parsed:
5:57
